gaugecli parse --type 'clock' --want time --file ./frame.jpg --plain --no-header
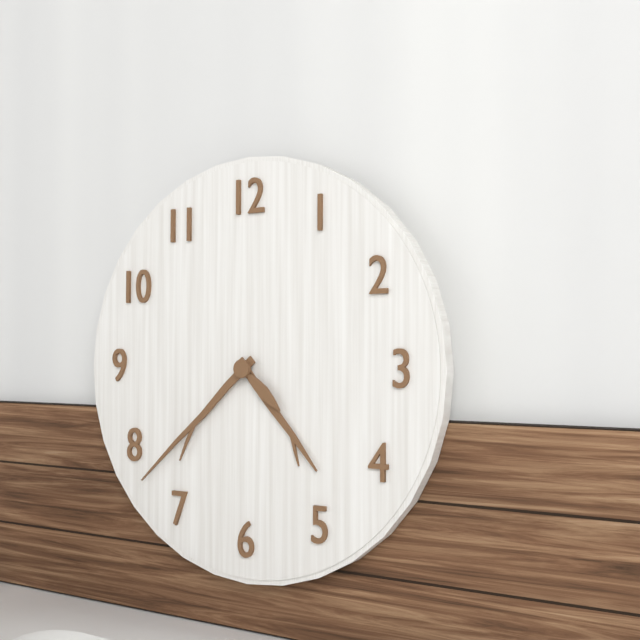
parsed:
4:38:22
